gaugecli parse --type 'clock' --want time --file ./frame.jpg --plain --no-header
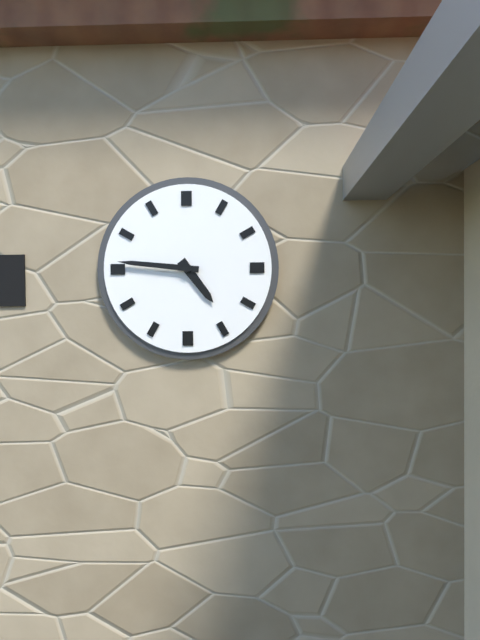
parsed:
4:46
